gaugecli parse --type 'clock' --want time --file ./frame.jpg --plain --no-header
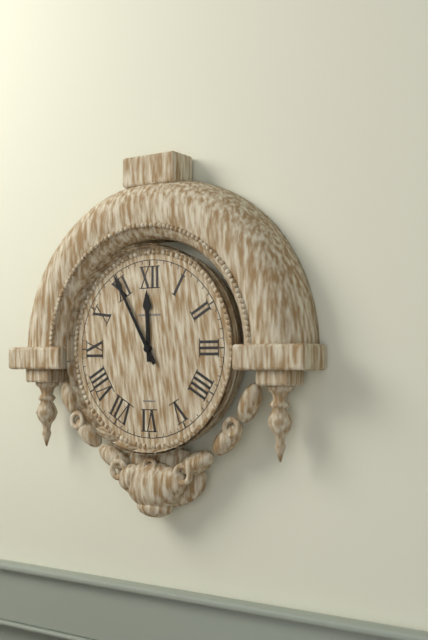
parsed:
11:55
